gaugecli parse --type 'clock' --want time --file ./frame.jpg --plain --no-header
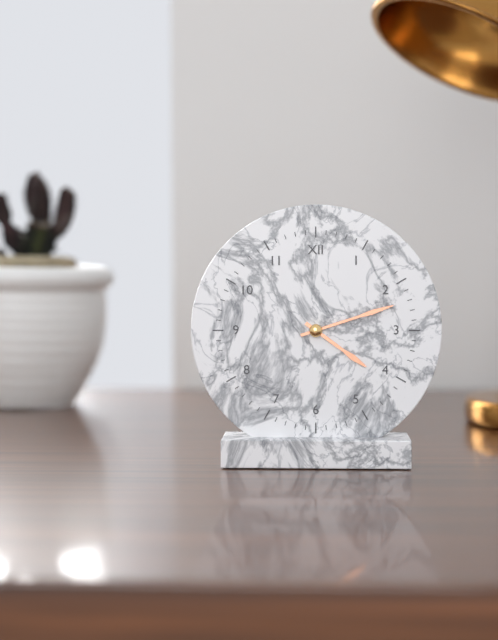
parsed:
4:12
